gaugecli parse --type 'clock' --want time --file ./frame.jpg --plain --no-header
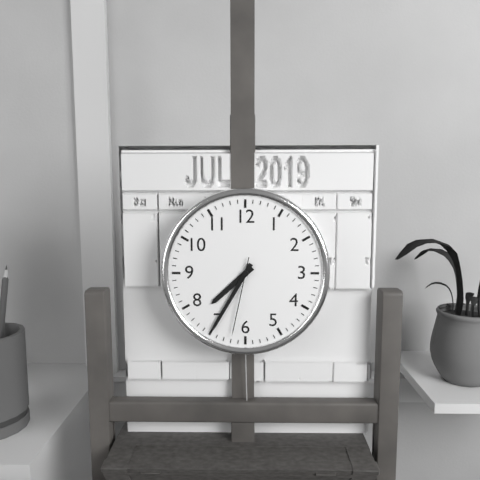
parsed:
7:35:32
